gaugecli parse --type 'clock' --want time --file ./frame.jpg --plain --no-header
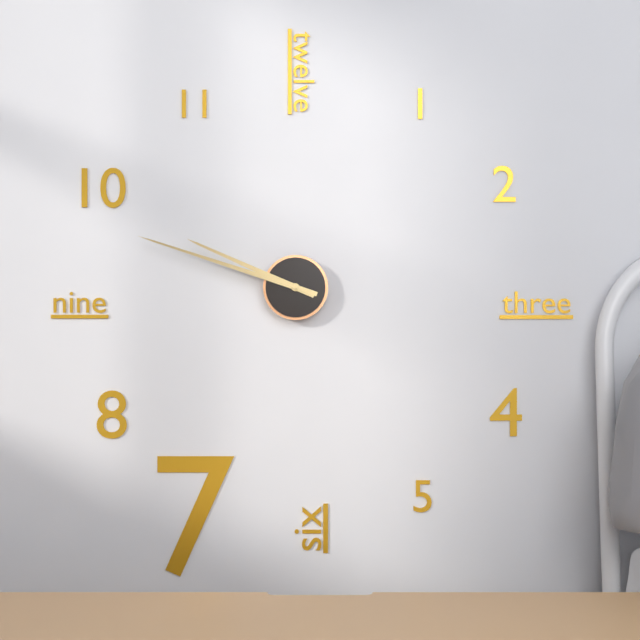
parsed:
9:48
